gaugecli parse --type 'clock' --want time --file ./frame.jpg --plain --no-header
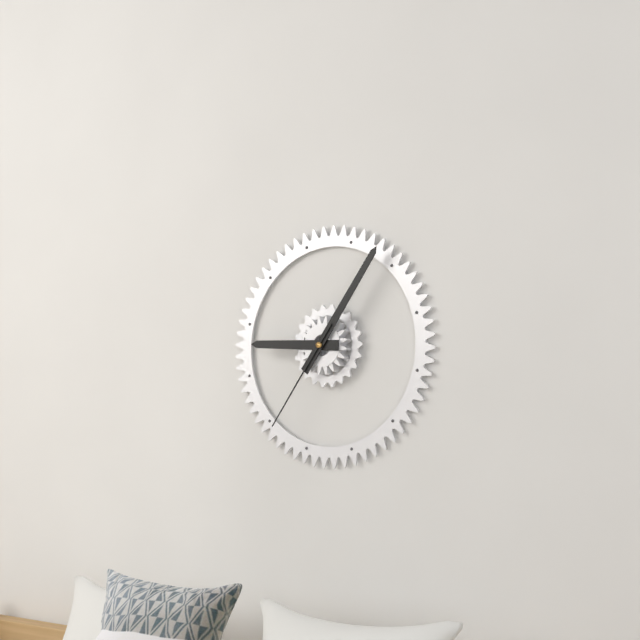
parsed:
9:06:36
